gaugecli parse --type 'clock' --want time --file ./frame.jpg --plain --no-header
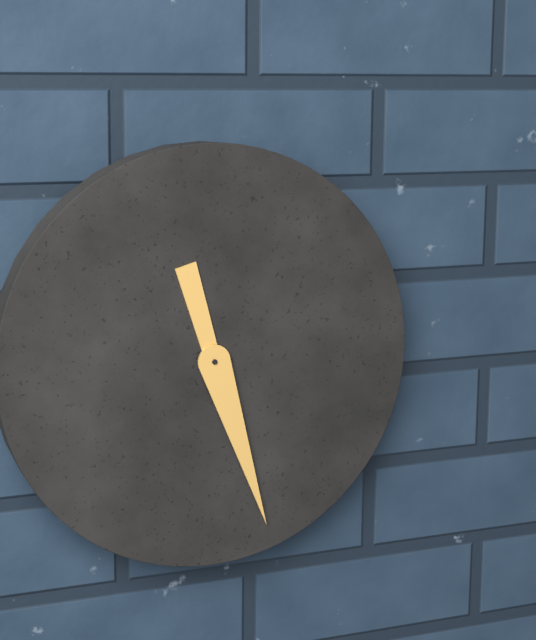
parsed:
11:27
